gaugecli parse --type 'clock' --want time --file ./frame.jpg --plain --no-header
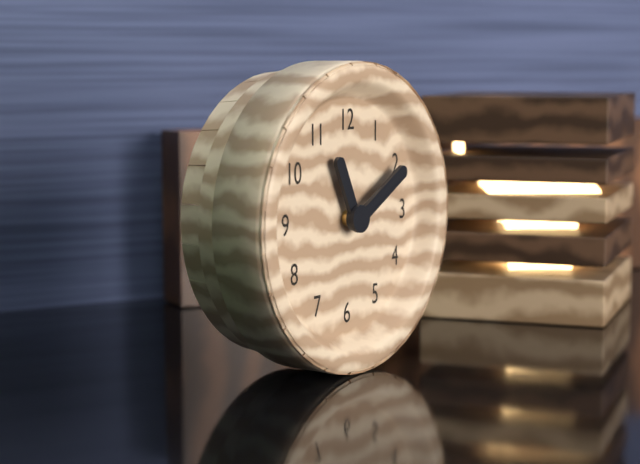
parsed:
11:10
